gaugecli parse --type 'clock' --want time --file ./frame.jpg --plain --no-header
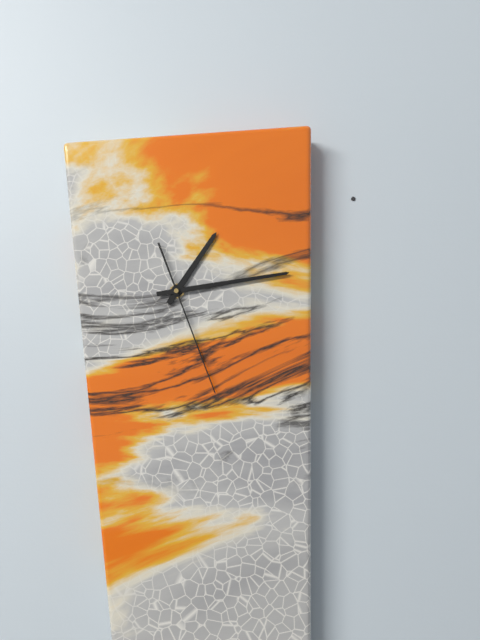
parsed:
1:14:27
